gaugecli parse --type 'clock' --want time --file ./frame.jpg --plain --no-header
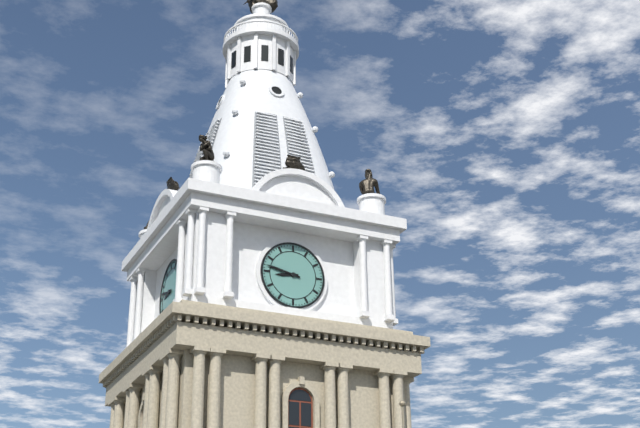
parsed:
8:47
